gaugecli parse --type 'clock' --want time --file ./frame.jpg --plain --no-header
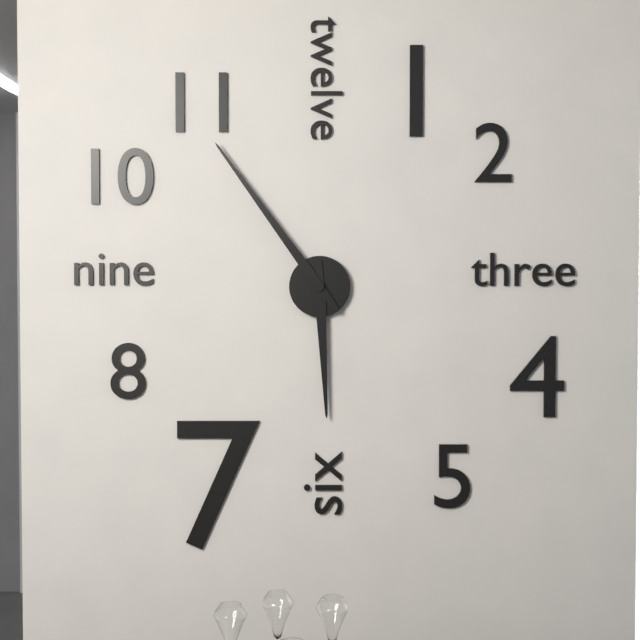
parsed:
5:54
